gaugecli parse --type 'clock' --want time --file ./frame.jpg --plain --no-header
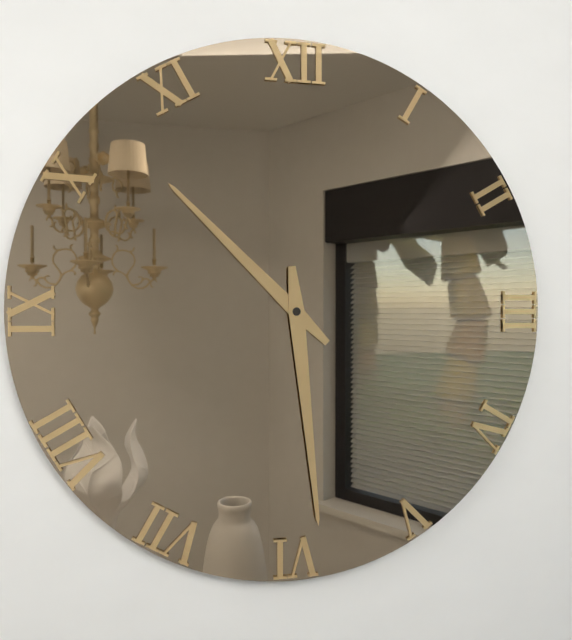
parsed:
10:29
